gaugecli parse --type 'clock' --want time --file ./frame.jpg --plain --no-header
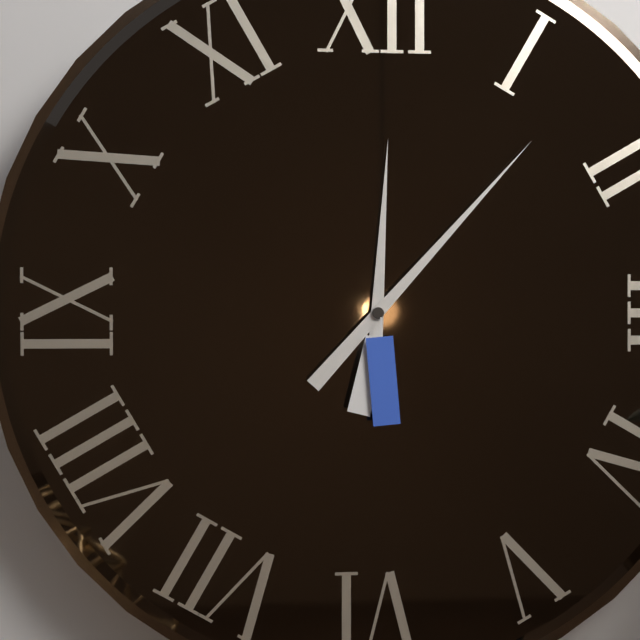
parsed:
12:07
